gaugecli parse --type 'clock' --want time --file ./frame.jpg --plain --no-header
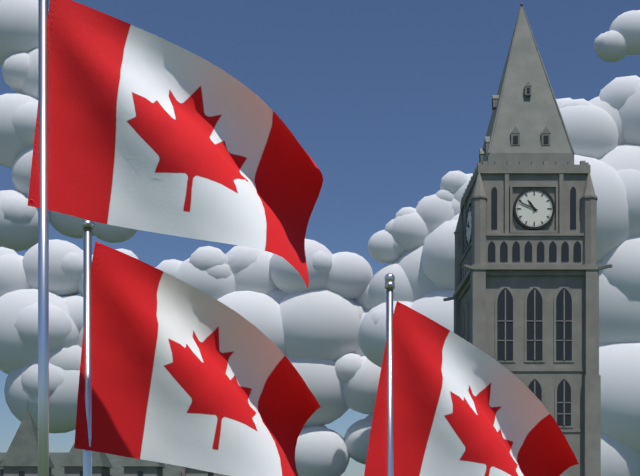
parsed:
10:49
